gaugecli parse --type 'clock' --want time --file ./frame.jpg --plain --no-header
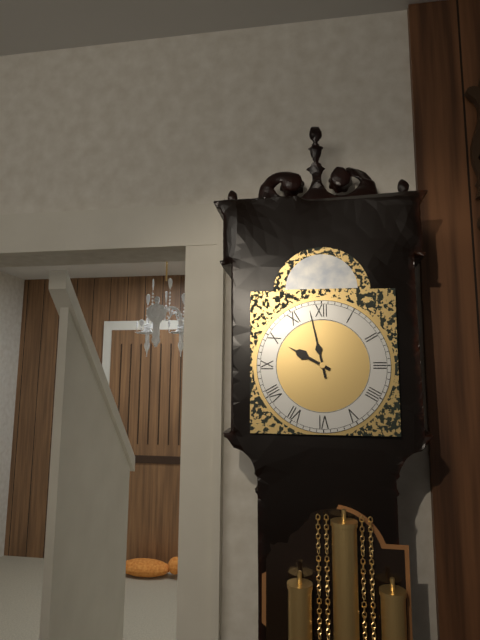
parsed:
9:58
